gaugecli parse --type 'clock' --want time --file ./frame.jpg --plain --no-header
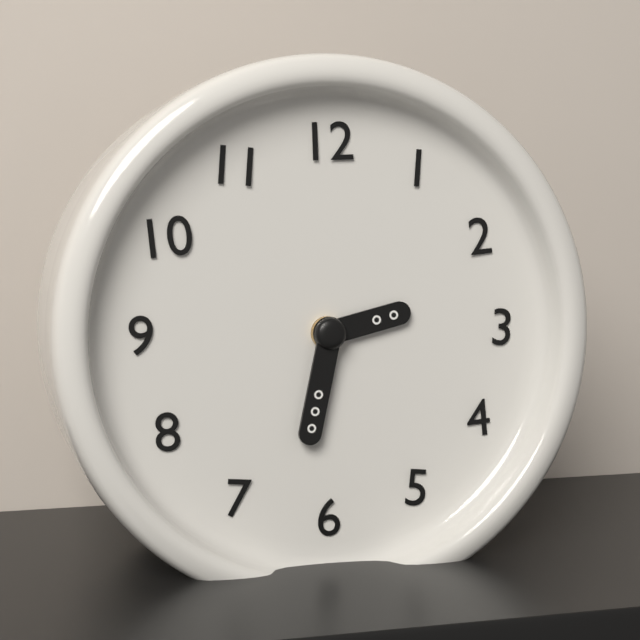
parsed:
2:32
